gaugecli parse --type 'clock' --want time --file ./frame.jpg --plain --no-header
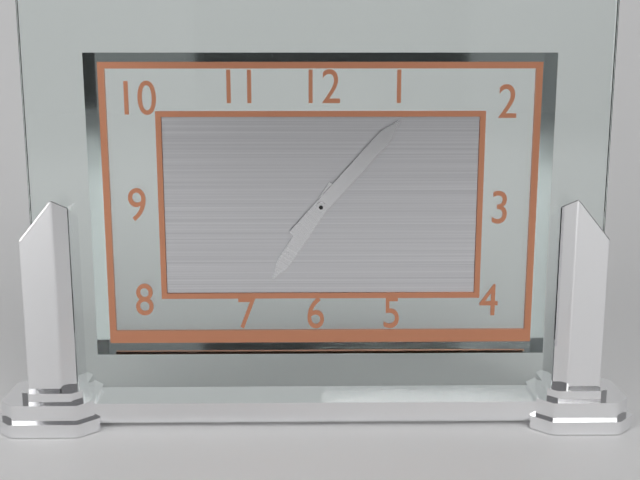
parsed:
7:07
